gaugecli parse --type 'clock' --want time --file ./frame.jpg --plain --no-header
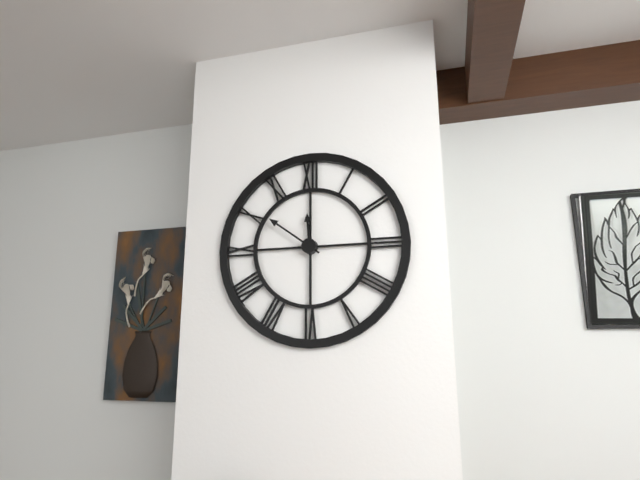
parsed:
11:51
